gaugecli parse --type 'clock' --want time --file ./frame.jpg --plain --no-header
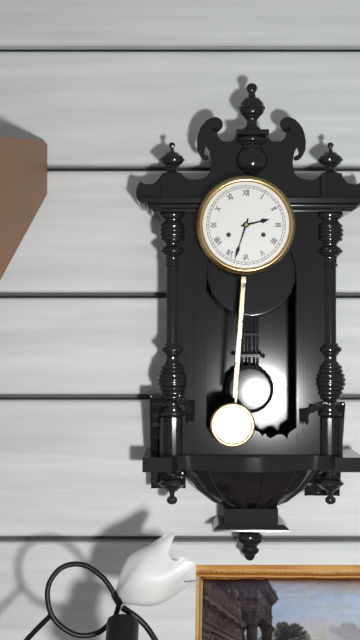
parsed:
2:33
